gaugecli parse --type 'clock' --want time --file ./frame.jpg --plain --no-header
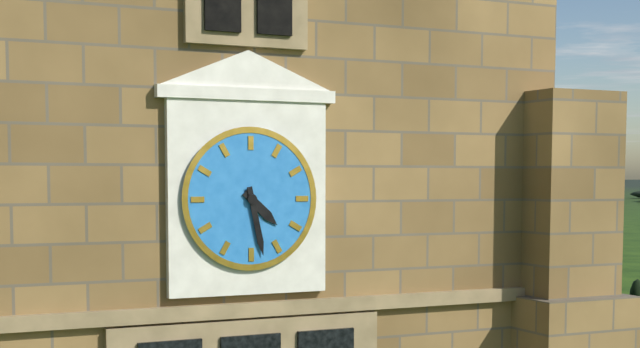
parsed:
4:28
